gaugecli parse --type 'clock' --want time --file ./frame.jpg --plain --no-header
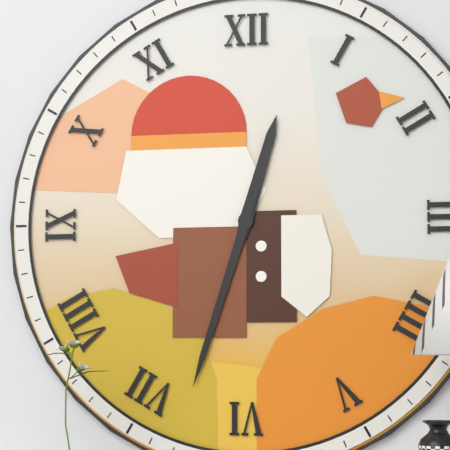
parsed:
12:33
